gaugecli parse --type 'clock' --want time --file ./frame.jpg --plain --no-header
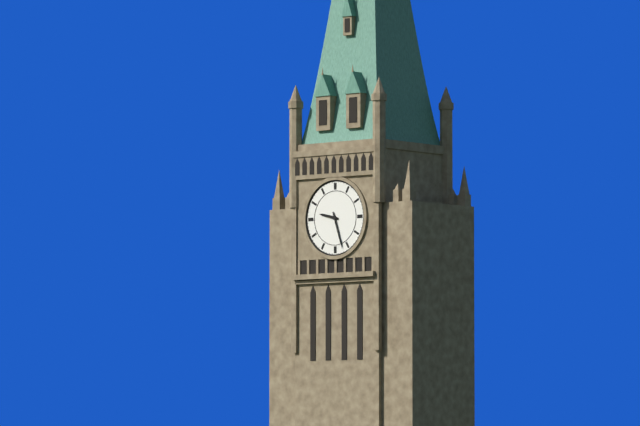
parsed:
9:27
